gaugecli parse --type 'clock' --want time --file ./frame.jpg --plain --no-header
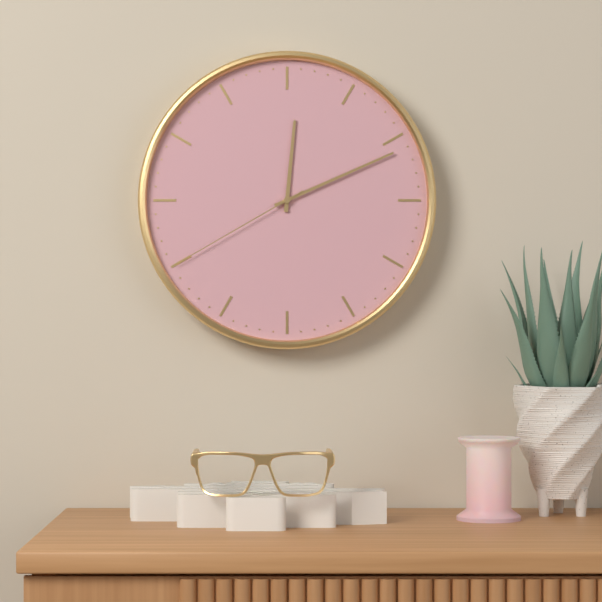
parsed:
12:11:40
